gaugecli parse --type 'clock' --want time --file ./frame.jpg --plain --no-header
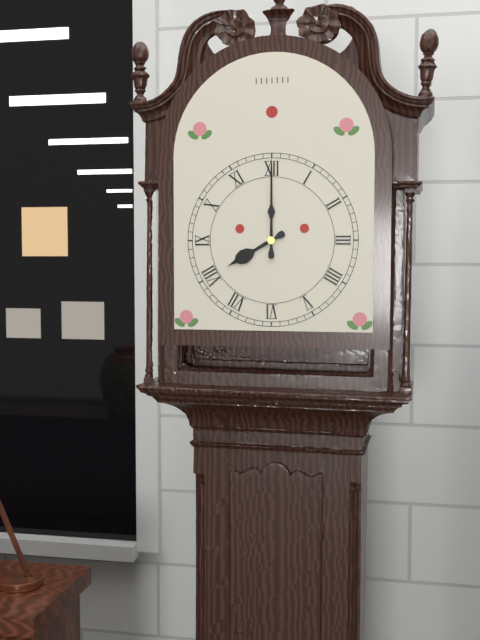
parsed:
8:00
